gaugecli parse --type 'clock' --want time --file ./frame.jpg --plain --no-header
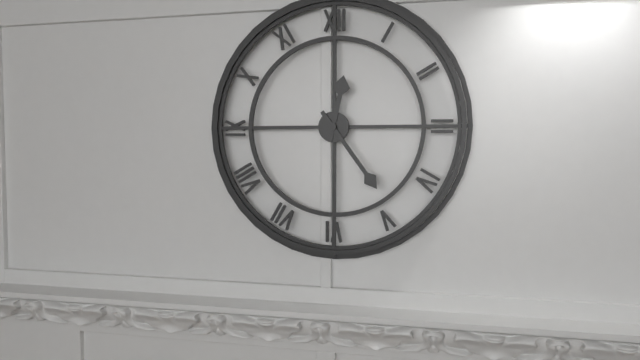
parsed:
12:24
